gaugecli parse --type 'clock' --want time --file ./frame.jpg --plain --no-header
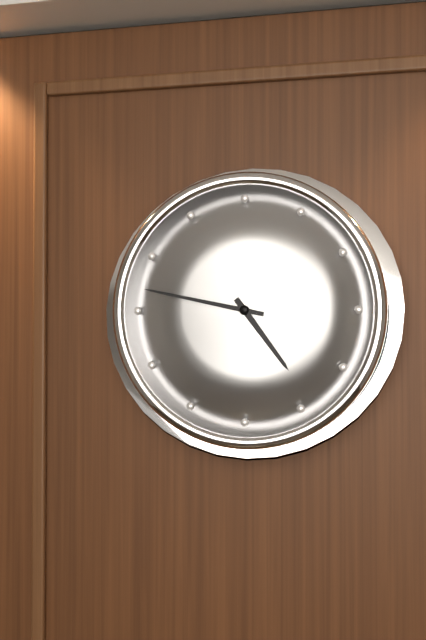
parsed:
4:47
